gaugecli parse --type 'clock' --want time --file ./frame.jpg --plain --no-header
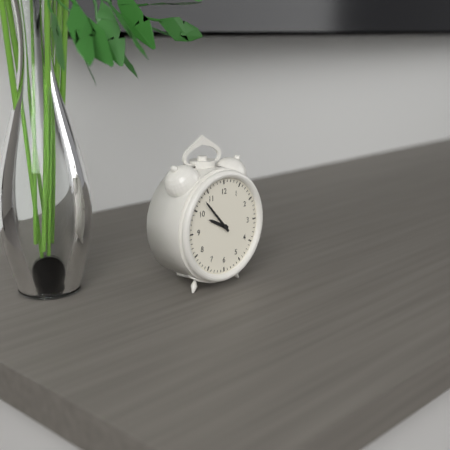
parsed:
9:53
